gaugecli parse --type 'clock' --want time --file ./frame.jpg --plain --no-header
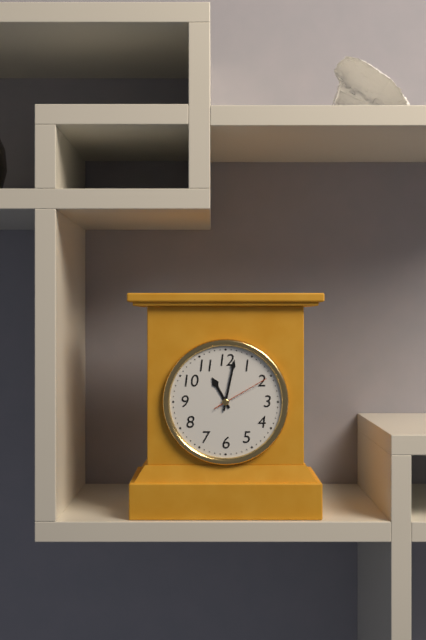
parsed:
11:02:10
